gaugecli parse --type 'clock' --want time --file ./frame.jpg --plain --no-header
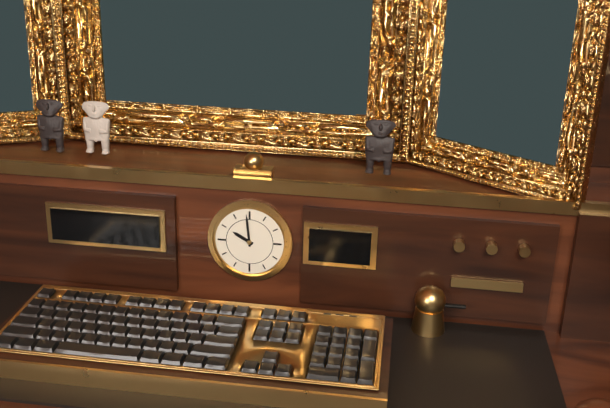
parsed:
9:59
